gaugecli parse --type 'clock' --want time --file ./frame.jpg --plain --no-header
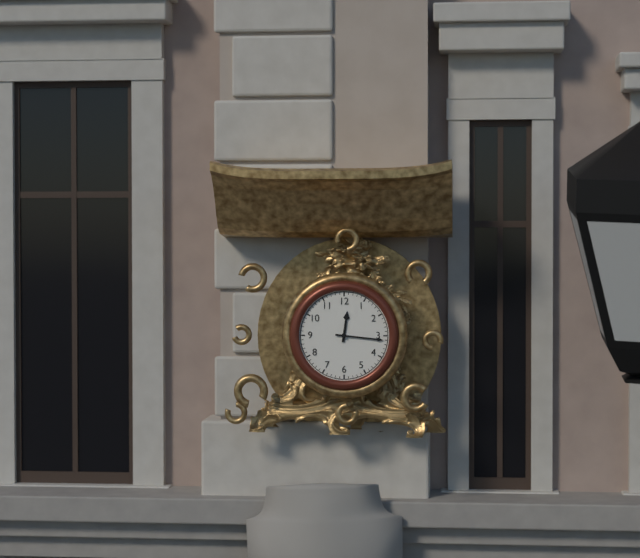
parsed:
12:16
